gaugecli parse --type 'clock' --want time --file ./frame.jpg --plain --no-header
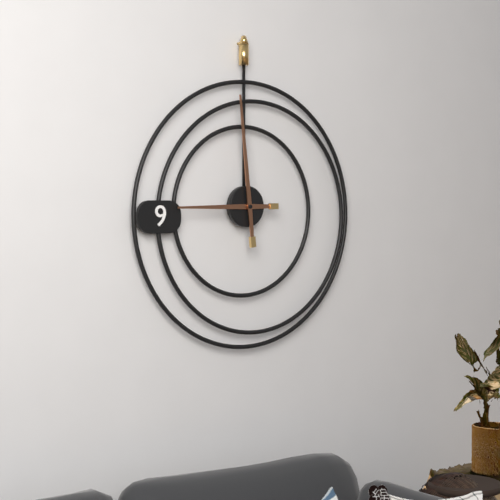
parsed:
8:59
